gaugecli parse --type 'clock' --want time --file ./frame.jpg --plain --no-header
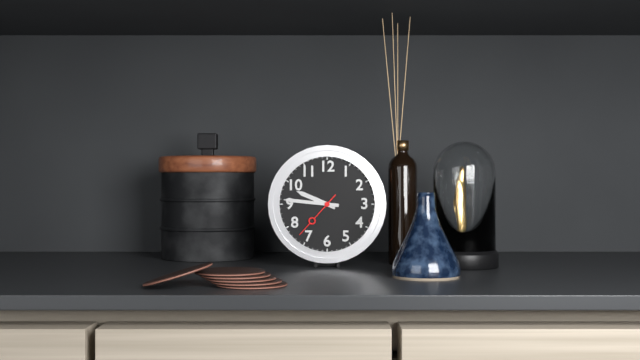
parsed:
9:46:37
